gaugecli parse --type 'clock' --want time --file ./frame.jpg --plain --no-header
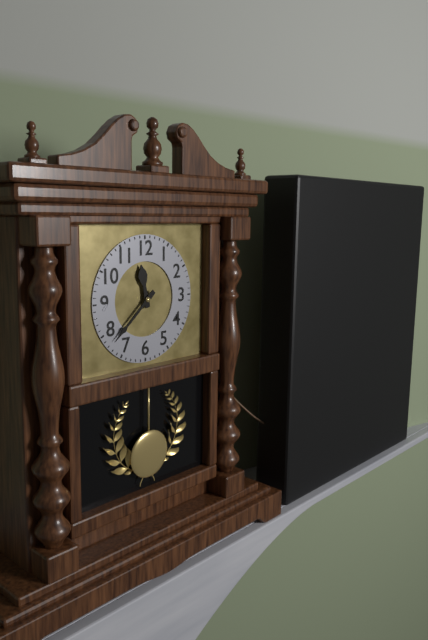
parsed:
11:38
